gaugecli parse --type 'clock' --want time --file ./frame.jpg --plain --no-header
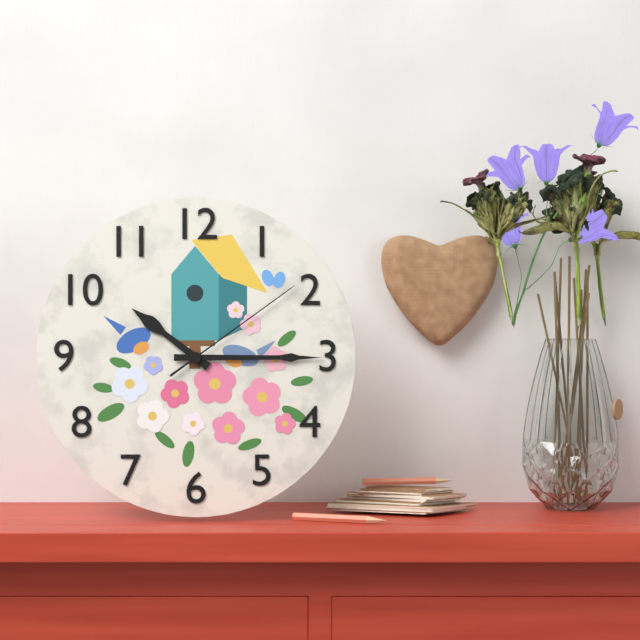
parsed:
10:15:09
